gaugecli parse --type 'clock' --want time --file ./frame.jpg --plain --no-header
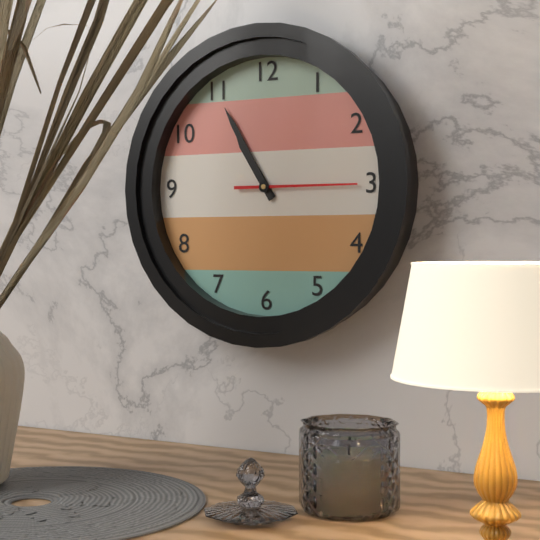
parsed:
10:55:15
